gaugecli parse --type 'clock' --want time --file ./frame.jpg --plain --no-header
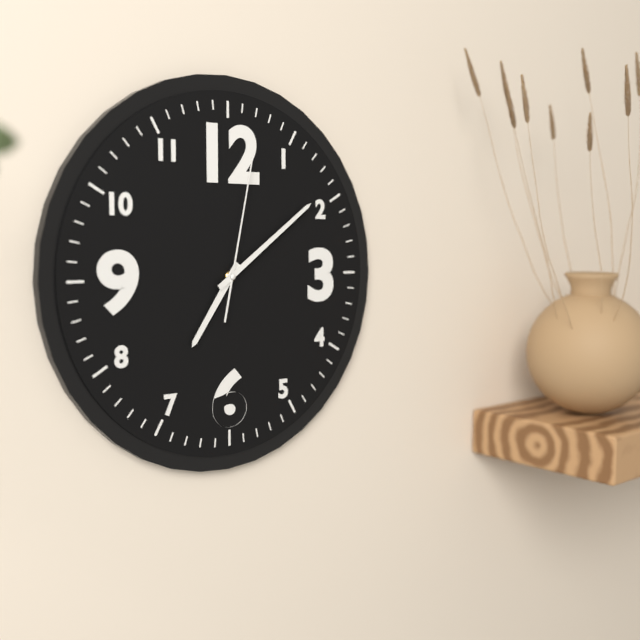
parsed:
7:09:02
